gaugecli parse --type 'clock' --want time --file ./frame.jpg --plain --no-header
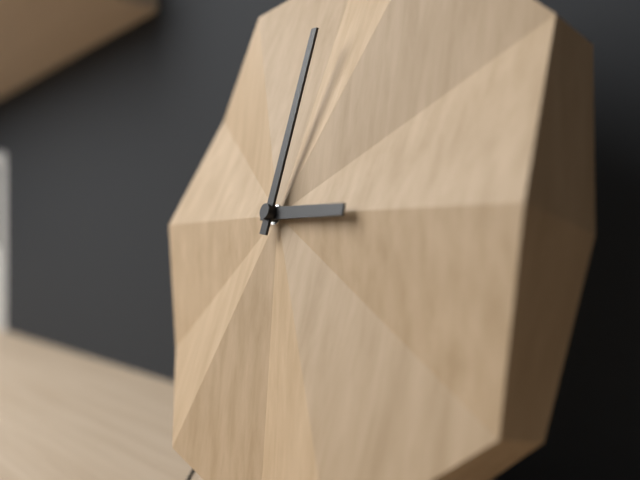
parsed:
3:01
